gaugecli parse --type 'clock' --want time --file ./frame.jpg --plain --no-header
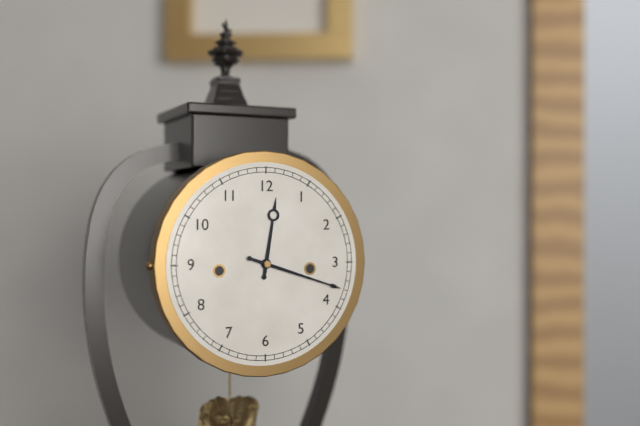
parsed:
12:18
